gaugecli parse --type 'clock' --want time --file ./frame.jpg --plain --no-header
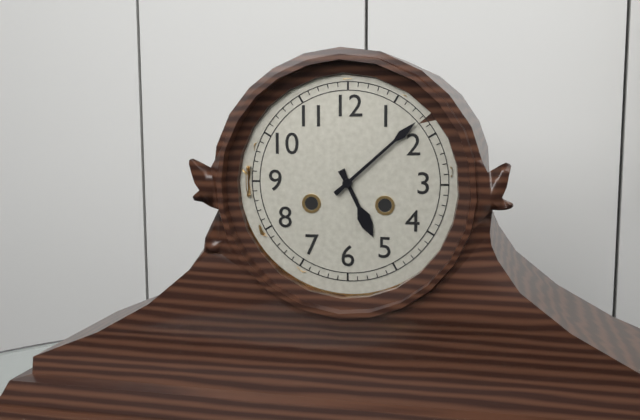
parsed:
5:08
